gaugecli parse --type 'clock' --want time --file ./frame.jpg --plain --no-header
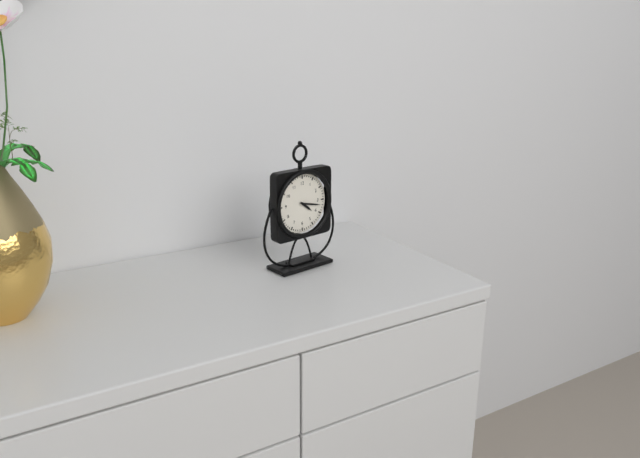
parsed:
4:17
